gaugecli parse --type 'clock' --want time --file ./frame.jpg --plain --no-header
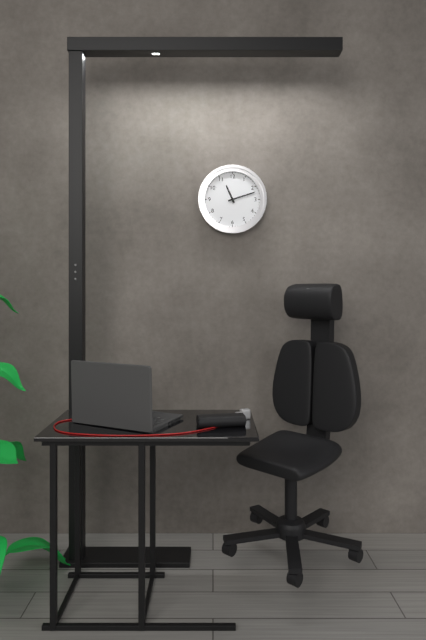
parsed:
11:12
